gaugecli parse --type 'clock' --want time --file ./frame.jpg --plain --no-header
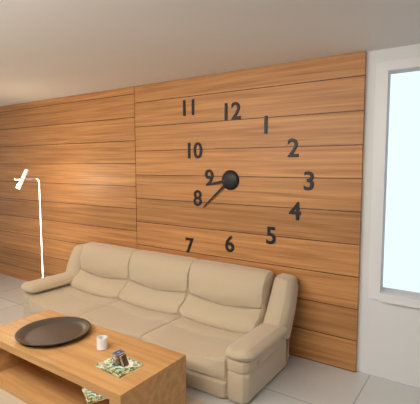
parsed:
8:38
